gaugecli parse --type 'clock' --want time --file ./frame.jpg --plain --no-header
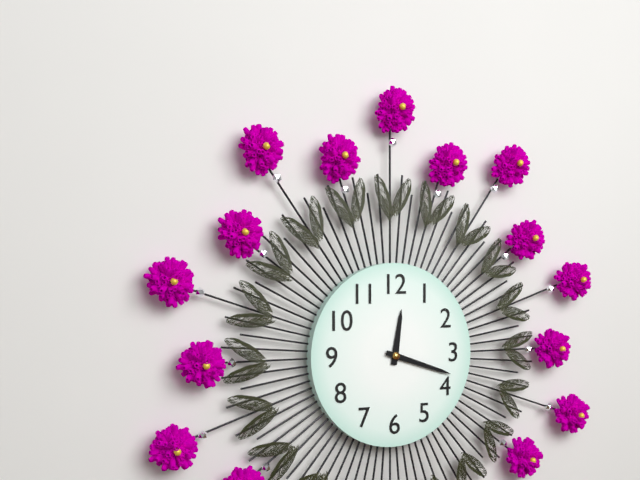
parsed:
12:18
